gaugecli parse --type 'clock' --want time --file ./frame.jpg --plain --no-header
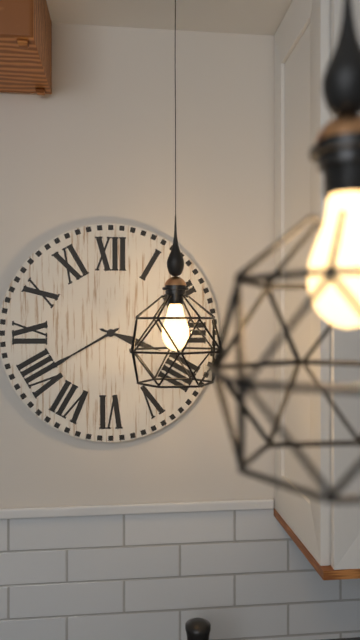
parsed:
3:40
